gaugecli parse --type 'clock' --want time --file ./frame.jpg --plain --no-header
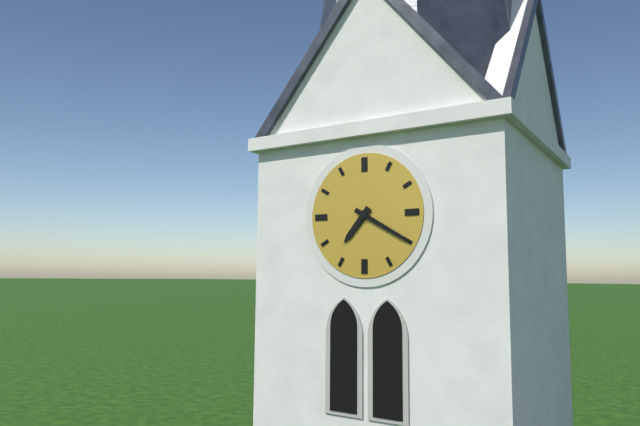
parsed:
7:20
